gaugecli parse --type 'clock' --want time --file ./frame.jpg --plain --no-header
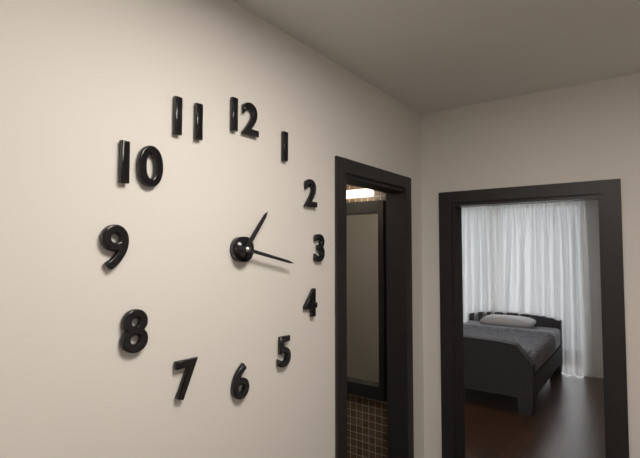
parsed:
1:17
